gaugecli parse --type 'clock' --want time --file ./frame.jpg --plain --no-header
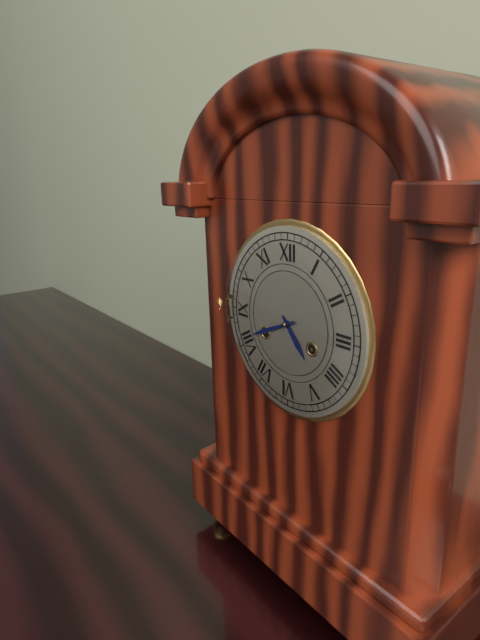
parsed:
4:41
